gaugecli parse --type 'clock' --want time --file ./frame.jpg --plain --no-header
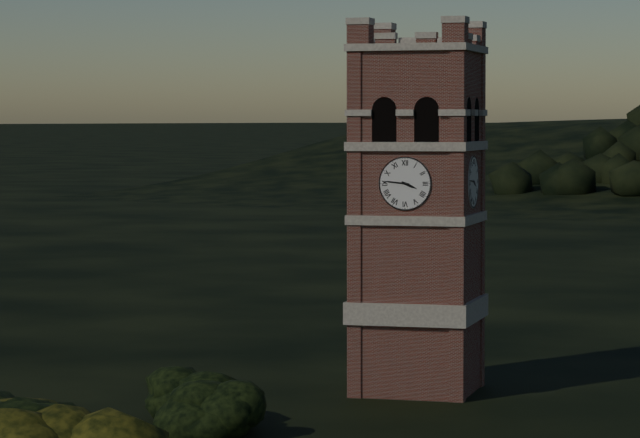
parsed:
3:46
